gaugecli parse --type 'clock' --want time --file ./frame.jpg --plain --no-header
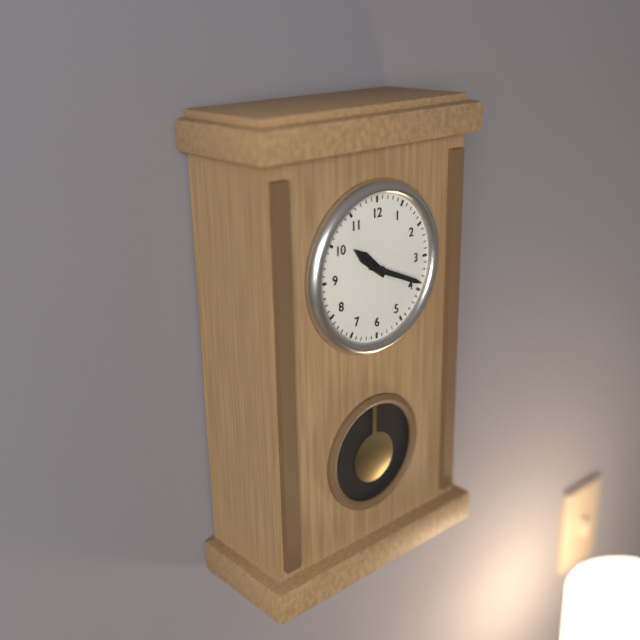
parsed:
10:19
